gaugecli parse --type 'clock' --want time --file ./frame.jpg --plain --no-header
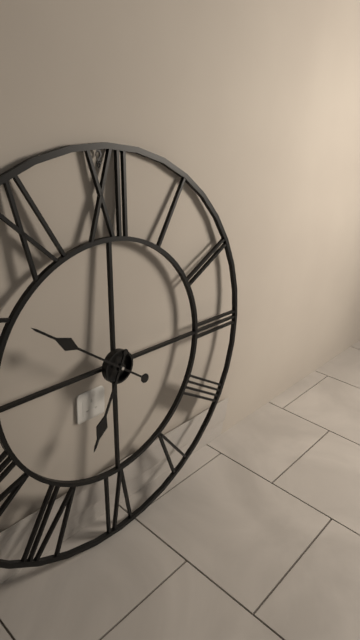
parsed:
6:51
